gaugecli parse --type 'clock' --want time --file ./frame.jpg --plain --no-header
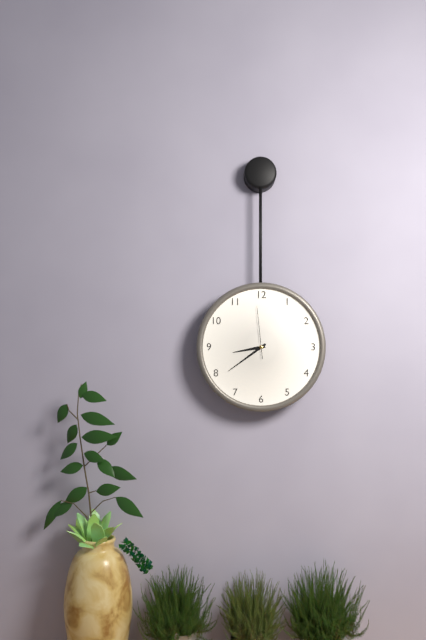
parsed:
8:39:59
